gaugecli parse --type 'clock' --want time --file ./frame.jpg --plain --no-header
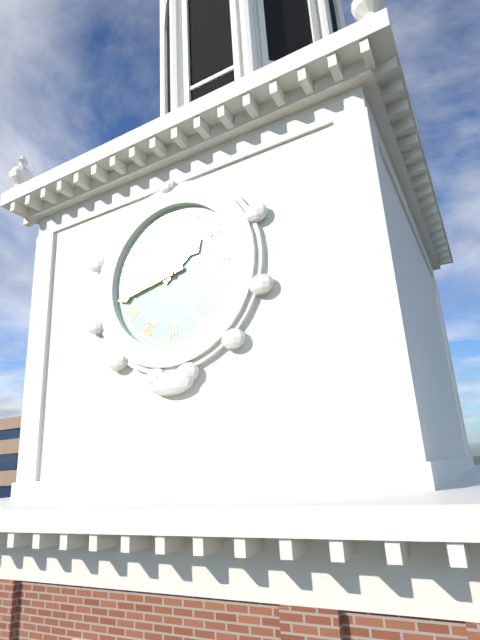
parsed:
1:43
